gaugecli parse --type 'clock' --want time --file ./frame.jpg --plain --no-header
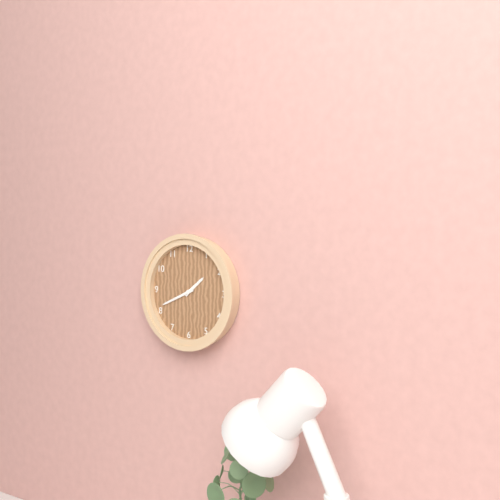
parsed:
1:41
